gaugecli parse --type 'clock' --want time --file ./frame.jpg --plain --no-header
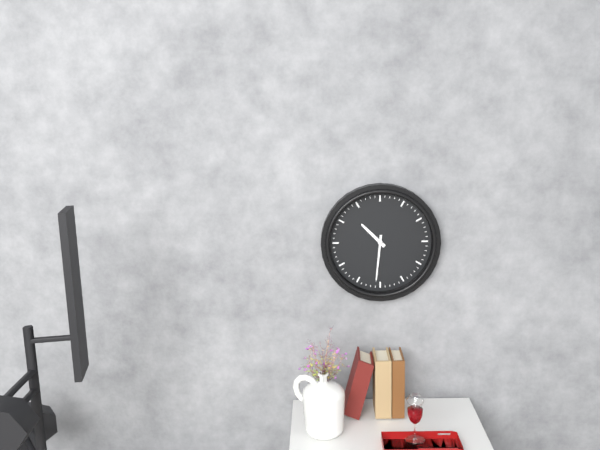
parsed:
10:31
